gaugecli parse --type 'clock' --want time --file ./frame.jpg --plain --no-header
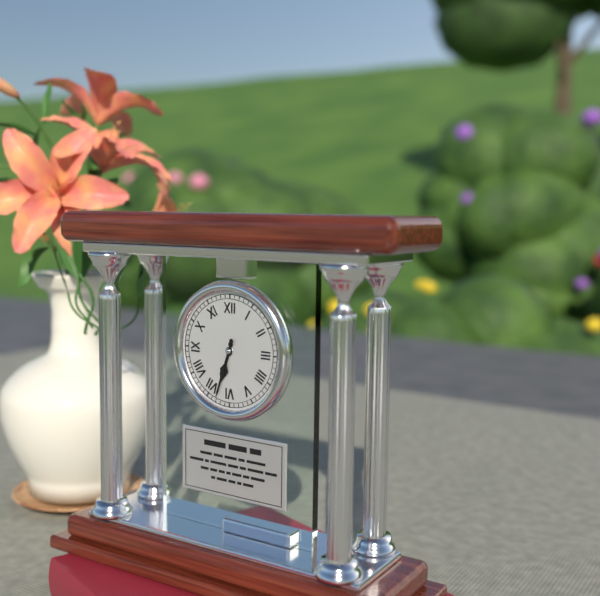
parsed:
6:33
